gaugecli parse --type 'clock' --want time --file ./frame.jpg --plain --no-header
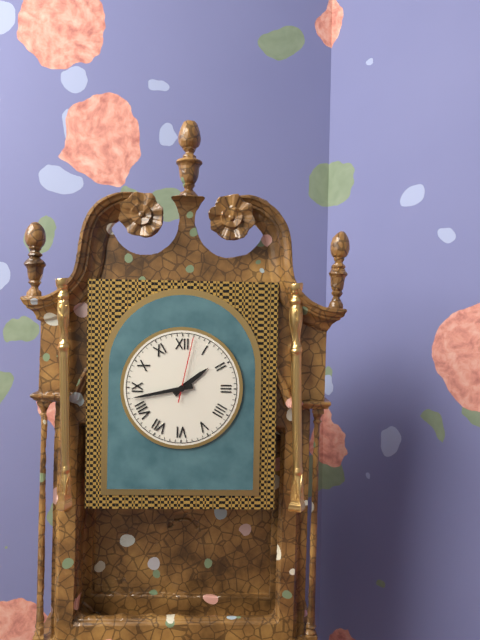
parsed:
1:43:02
